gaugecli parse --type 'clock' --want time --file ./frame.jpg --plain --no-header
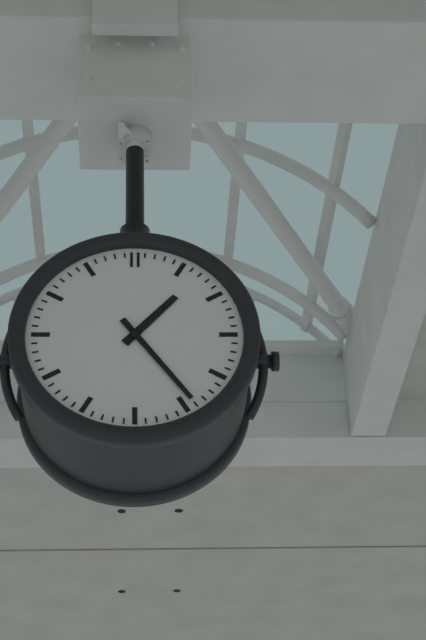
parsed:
1:24
